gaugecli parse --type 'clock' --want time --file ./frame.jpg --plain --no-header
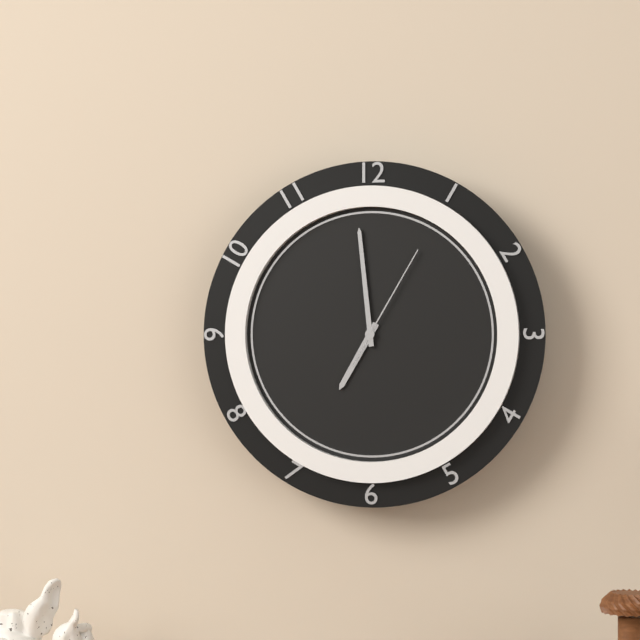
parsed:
6:59:05
